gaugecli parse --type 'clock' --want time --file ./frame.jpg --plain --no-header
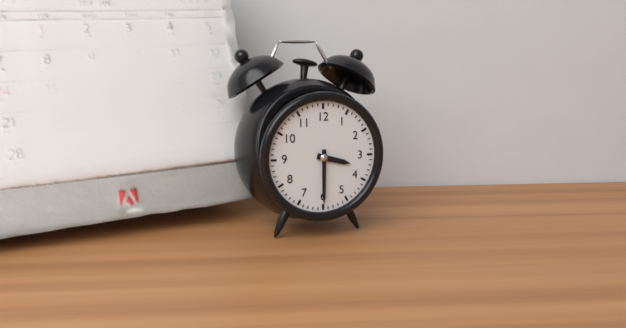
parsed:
3:30
